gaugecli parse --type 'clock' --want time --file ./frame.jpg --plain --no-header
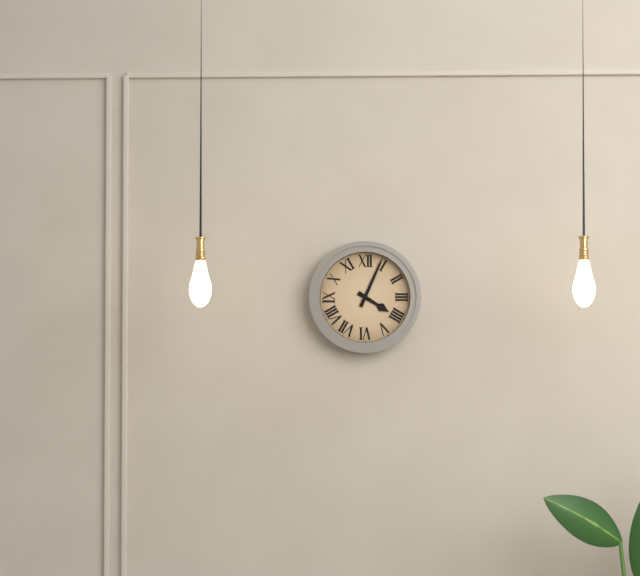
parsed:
4:04
